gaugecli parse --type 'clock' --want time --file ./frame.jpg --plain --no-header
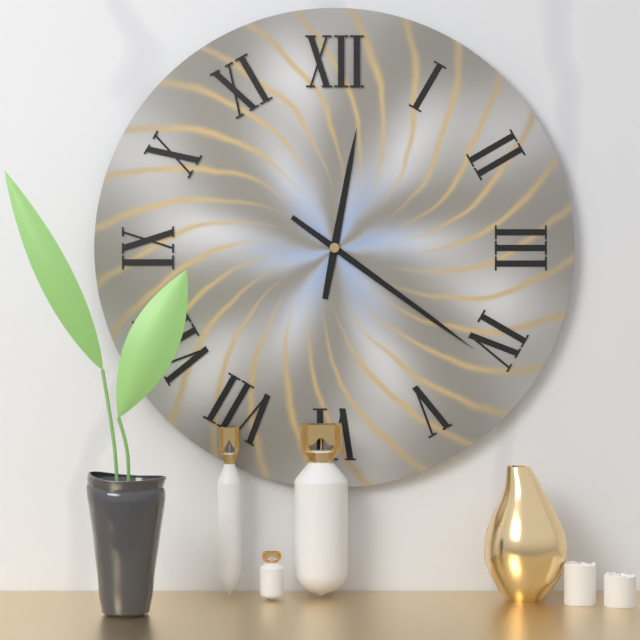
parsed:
12:21
